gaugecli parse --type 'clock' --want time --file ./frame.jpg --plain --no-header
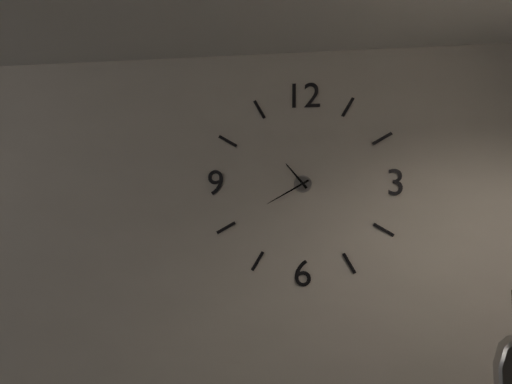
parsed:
10:40
